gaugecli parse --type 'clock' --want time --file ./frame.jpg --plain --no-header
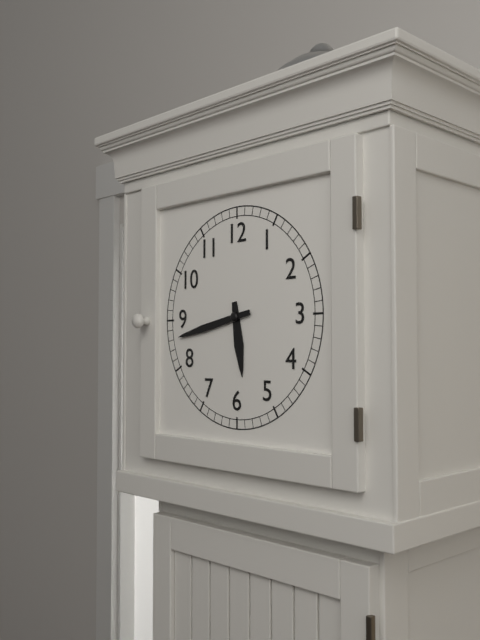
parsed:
5:43
